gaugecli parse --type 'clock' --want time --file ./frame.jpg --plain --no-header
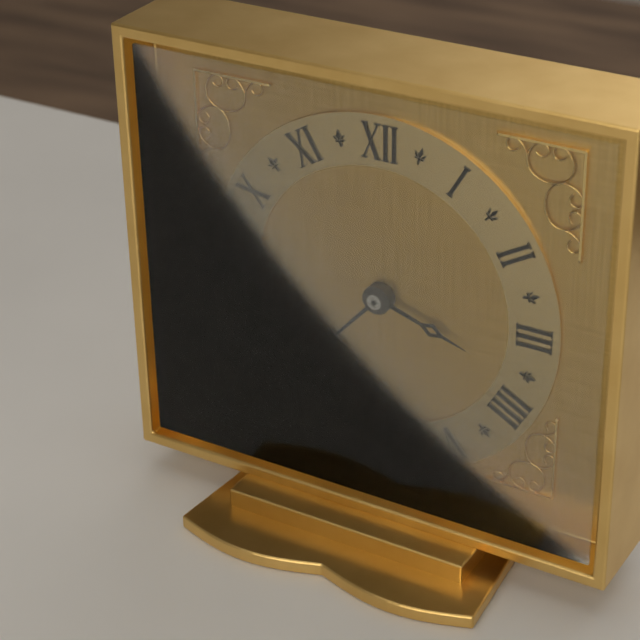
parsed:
3:37
